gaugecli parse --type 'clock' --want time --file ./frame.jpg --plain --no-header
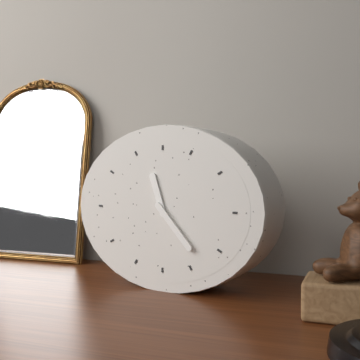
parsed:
11:23
